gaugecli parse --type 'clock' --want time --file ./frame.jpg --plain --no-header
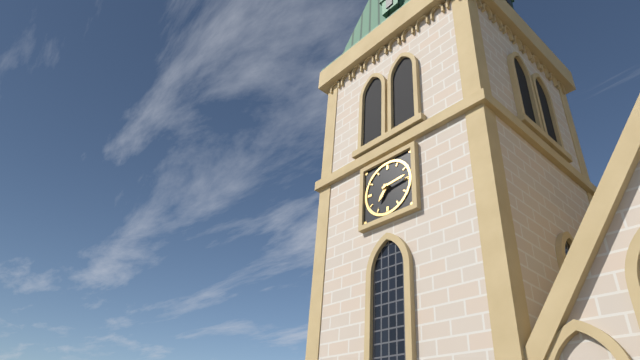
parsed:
7:14
